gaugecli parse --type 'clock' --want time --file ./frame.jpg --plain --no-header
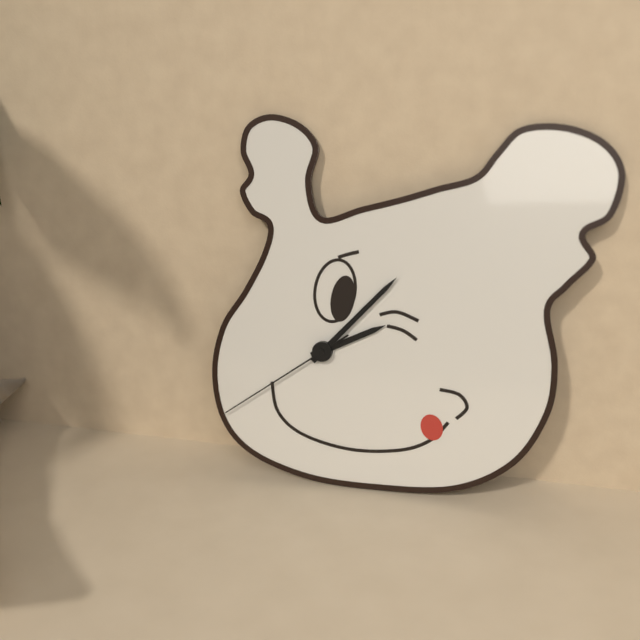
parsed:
2:07:39
